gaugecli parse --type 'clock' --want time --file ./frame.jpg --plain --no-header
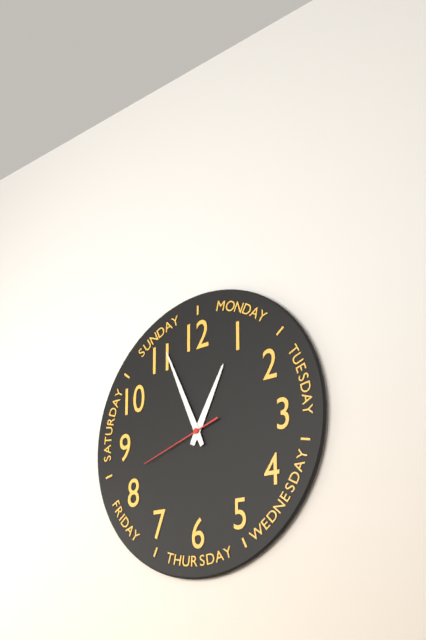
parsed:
12:56:42
